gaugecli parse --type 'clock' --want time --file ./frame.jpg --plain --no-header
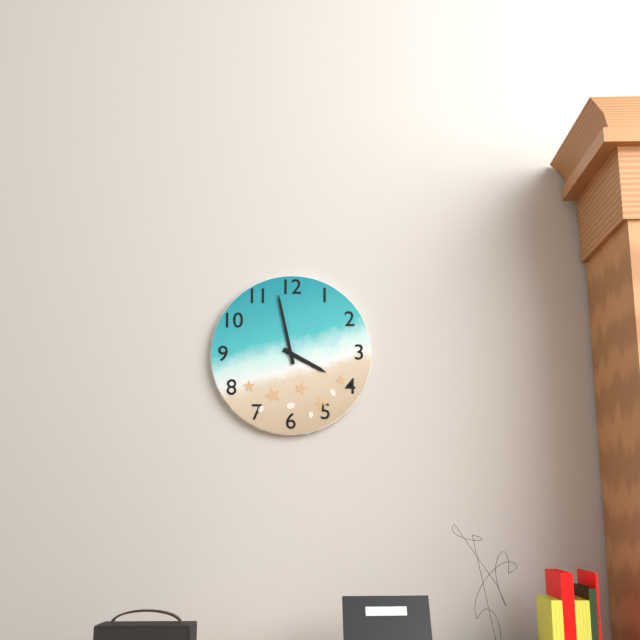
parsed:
3:58
